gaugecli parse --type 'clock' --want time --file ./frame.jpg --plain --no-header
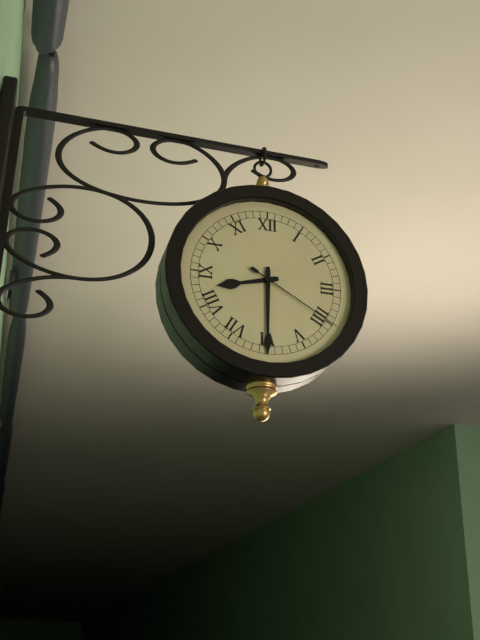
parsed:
8:30:20
